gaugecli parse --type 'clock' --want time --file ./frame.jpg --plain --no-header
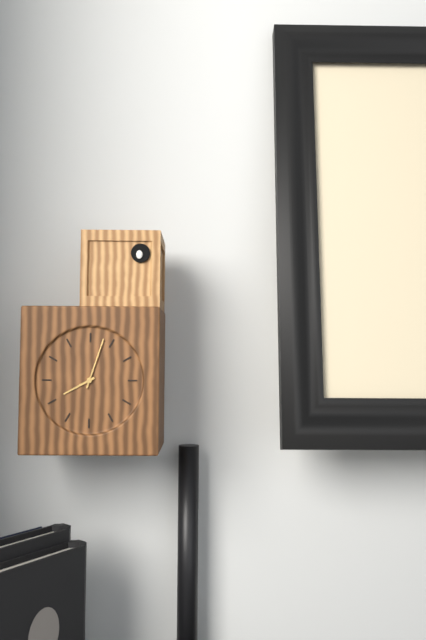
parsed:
8:03
